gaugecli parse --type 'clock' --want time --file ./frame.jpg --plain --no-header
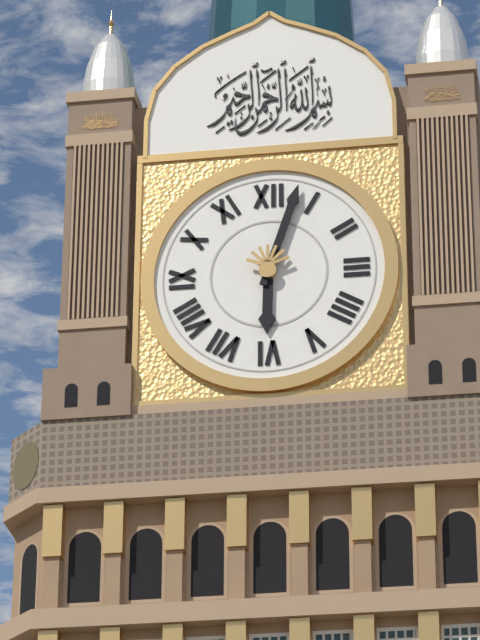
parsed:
6:03
